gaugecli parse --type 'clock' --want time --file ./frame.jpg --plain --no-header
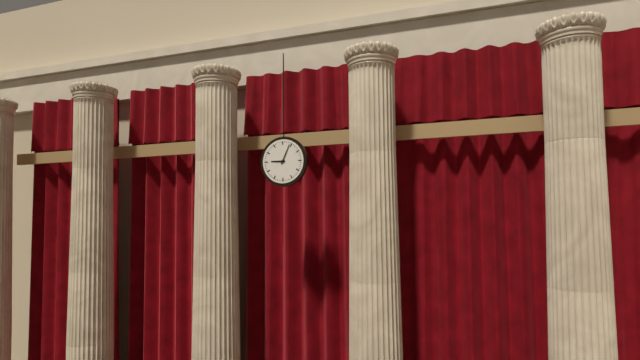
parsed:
9:04
